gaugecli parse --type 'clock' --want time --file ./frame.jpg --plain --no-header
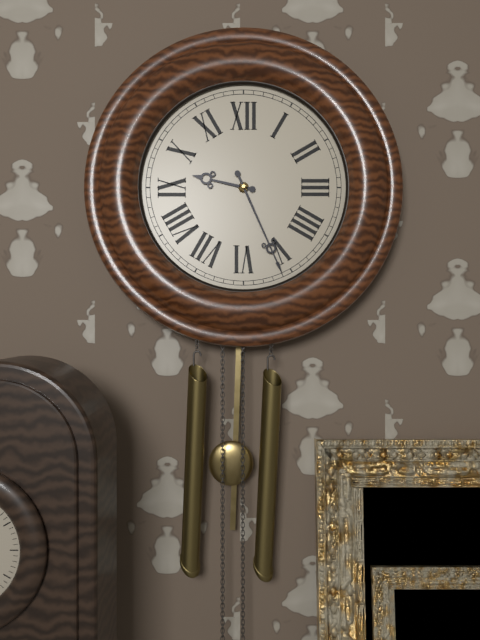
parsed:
9:26
